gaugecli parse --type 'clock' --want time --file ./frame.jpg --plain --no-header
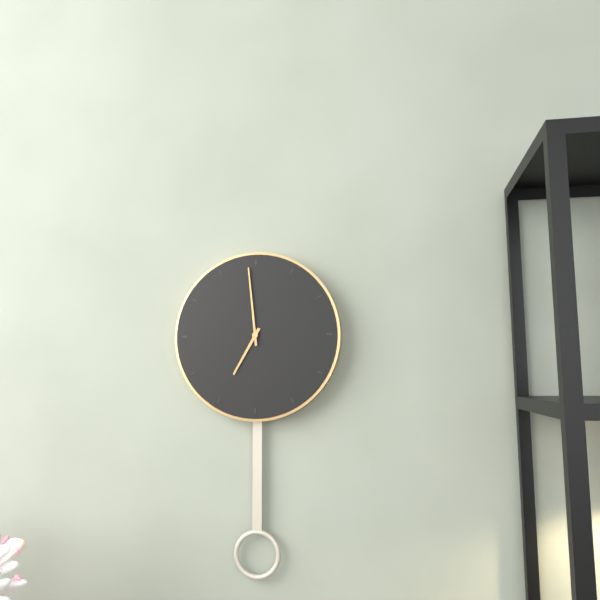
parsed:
6:59
